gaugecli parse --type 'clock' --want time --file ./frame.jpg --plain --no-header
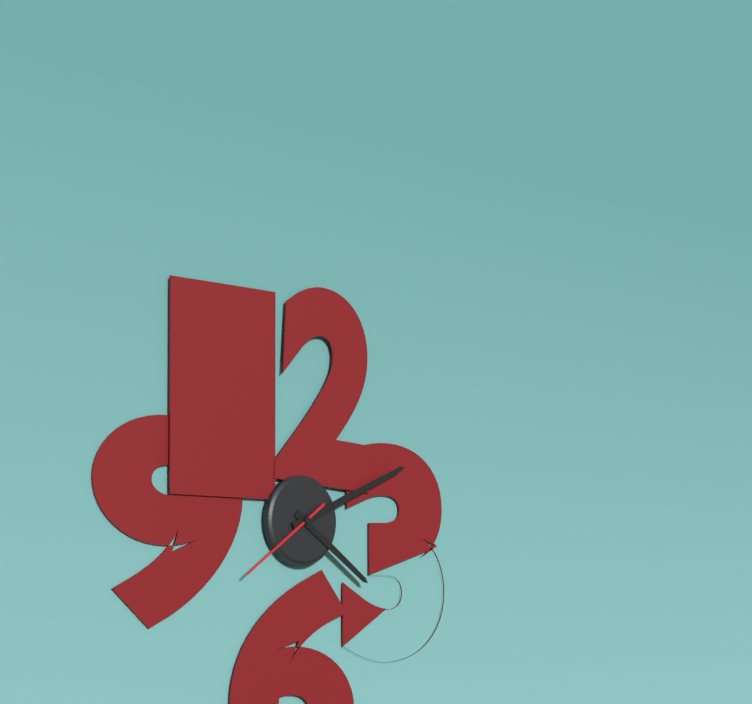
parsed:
4:11:39
